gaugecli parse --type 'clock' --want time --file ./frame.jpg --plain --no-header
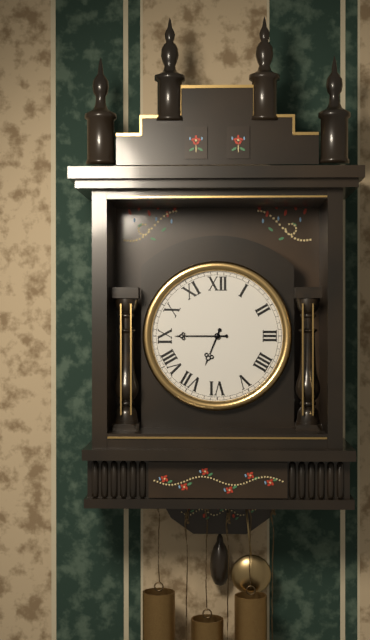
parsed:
6:45
